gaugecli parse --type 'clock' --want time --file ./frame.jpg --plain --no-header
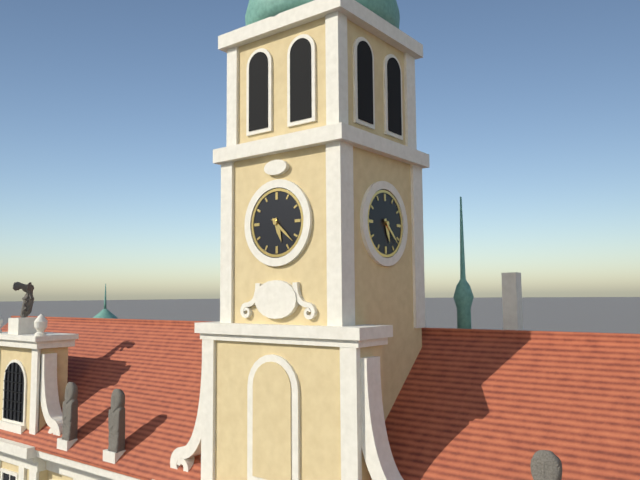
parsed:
5:22
